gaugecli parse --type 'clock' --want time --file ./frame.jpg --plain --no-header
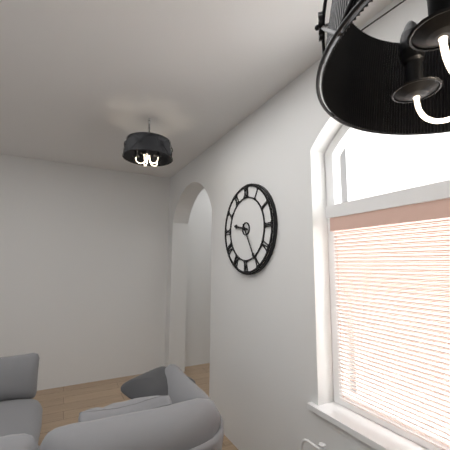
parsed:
9:25
